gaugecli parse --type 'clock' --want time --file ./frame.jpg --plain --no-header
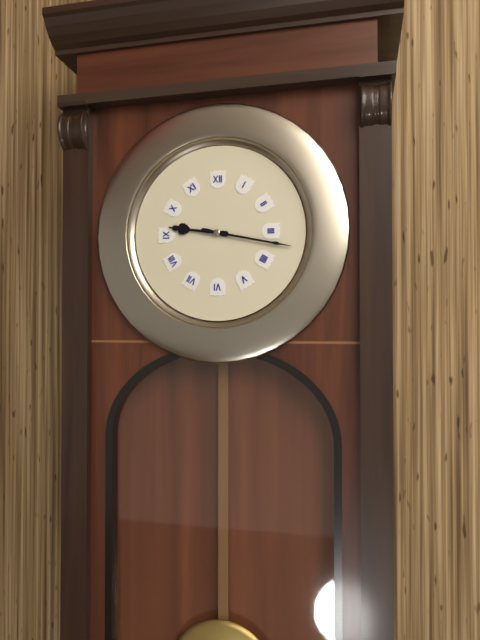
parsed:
9:17
